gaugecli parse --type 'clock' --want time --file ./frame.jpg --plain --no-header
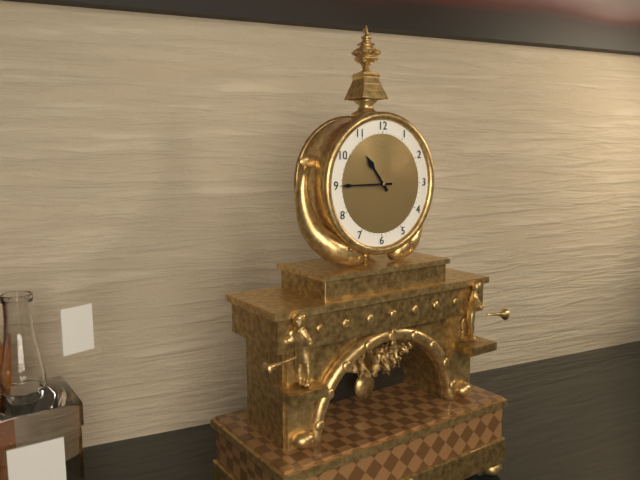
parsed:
10:45
